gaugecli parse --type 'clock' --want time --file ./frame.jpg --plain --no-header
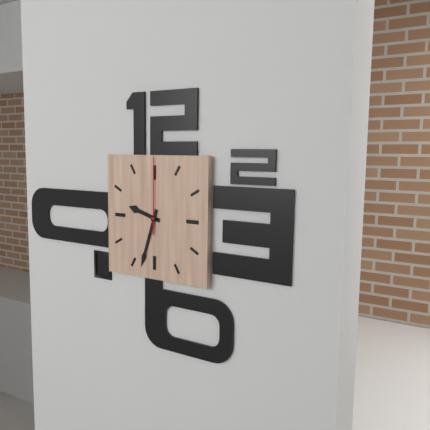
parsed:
9:33:00
